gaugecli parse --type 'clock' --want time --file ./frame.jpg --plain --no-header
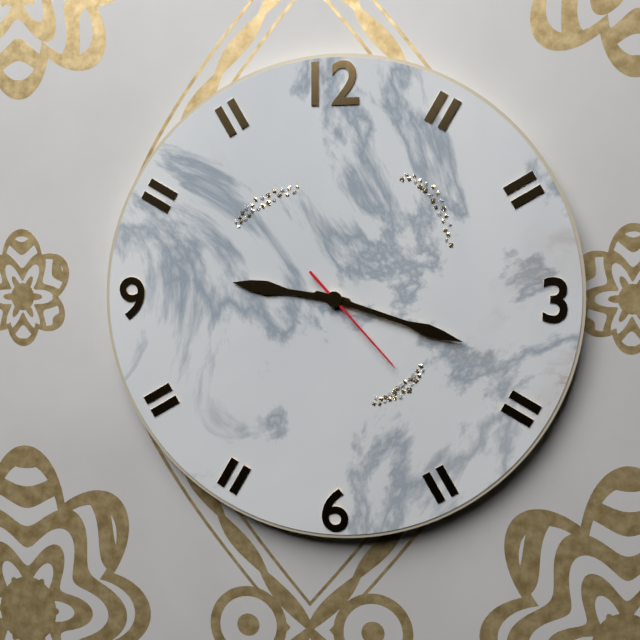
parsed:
9:18:23
